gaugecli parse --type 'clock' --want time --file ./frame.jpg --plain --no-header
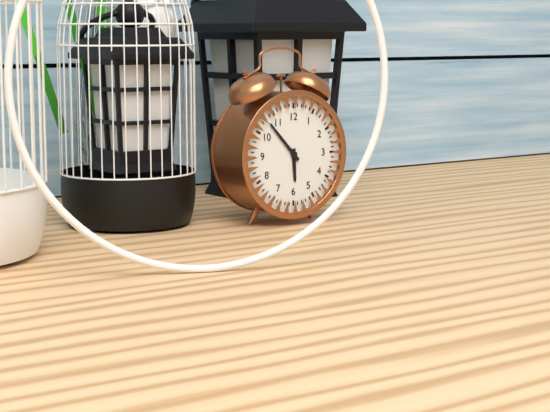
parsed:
5:53
